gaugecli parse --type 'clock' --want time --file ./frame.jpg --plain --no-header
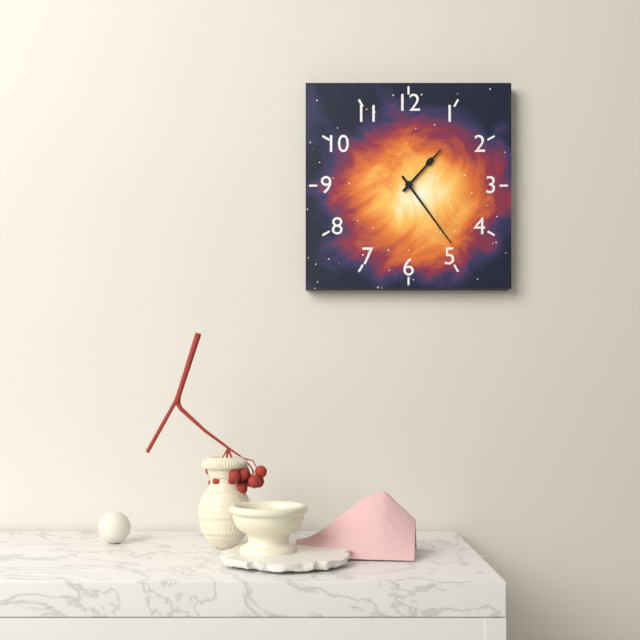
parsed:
1:24
